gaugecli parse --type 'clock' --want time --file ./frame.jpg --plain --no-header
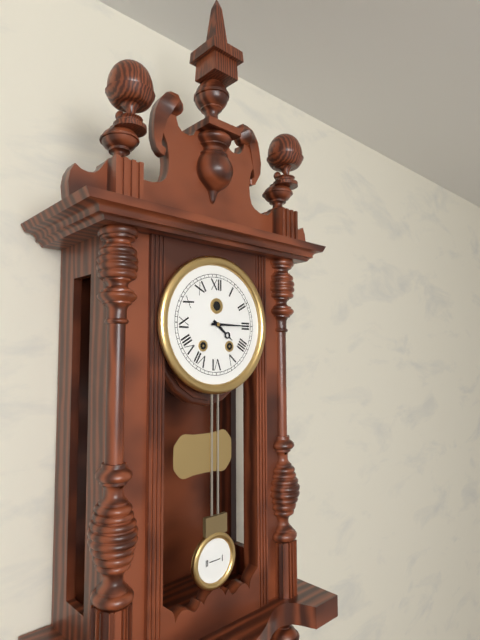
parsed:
4:15
